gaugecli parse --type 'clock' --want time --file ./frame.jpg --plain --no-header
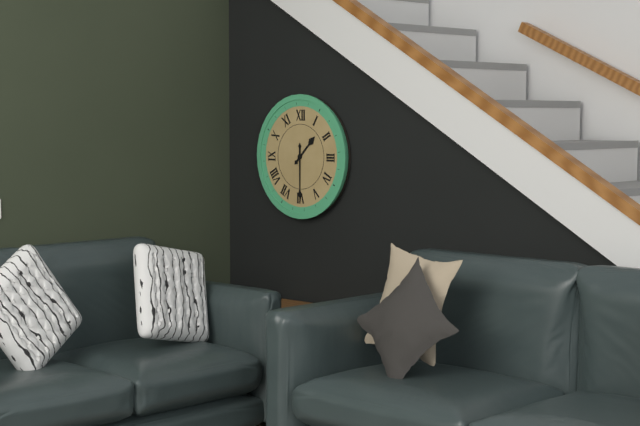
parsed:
1:30
